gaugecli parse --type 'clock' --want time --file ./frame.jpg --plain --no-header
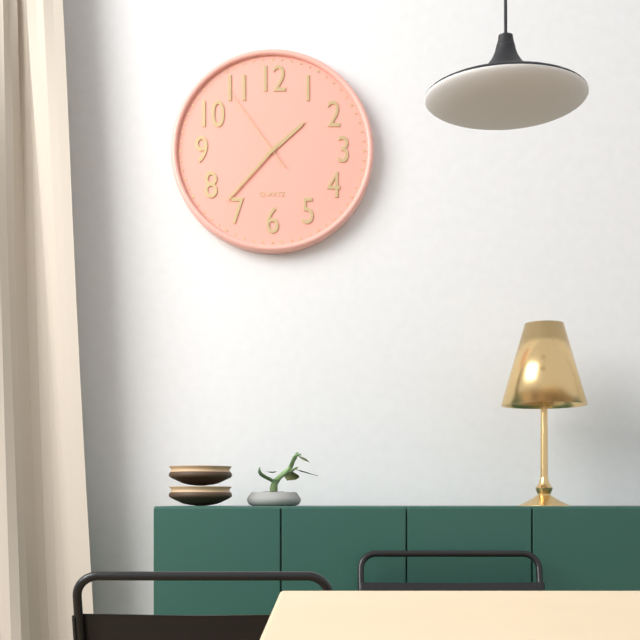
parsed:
1:37:54
